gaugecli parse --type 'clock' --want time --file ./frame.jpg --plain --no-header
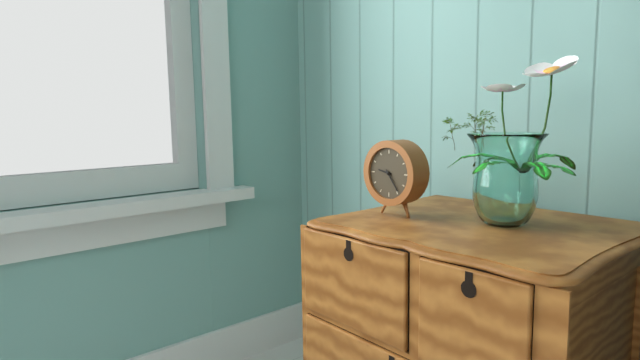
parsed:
9:24
